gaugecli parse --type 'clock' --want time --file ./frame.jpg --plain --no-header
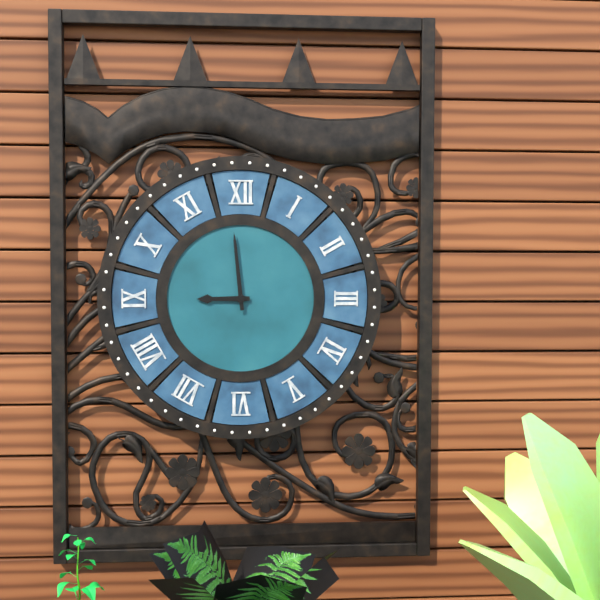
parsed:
8:59
